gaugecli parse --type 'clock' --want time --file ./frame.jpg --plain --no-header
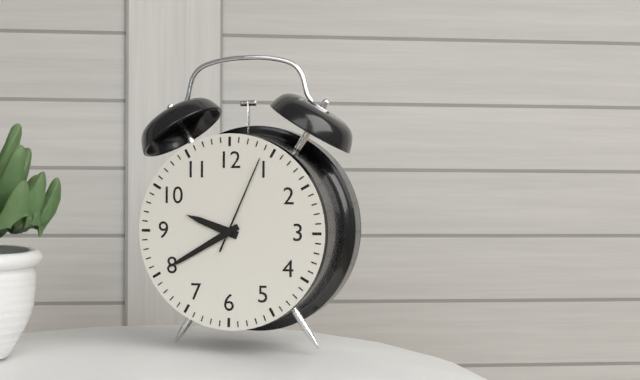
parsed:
9:40:04
